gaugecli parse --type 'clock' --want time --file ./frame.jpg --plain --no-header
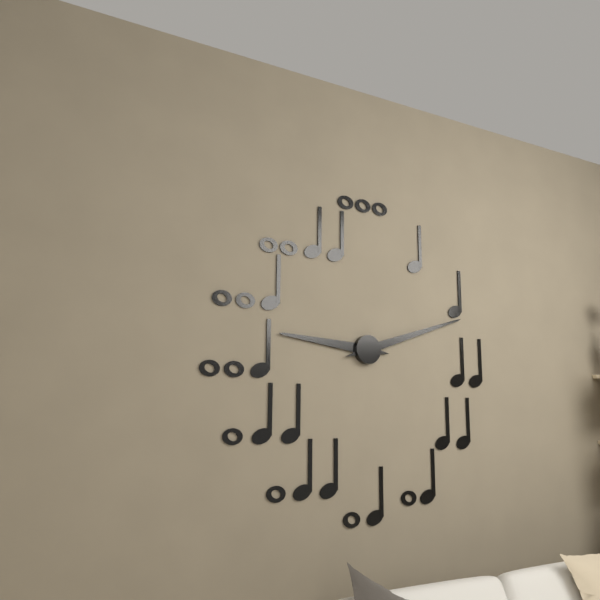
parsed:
9:12
